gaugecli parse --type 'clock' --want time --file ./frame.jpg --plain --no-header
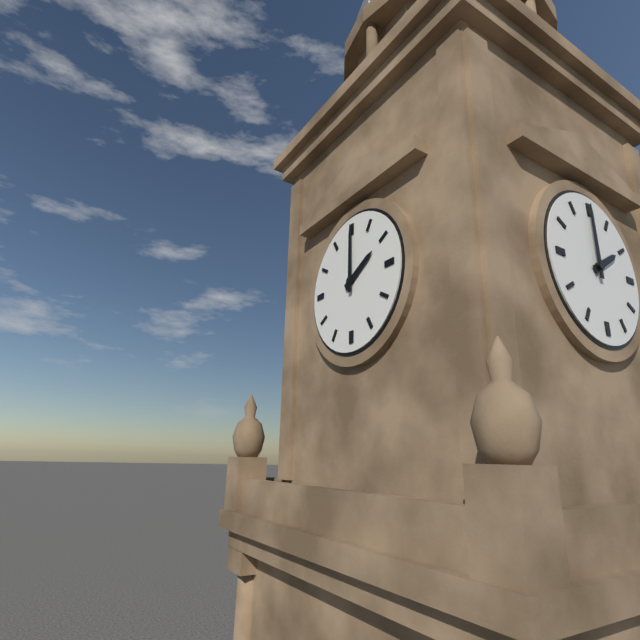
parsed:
2:00
